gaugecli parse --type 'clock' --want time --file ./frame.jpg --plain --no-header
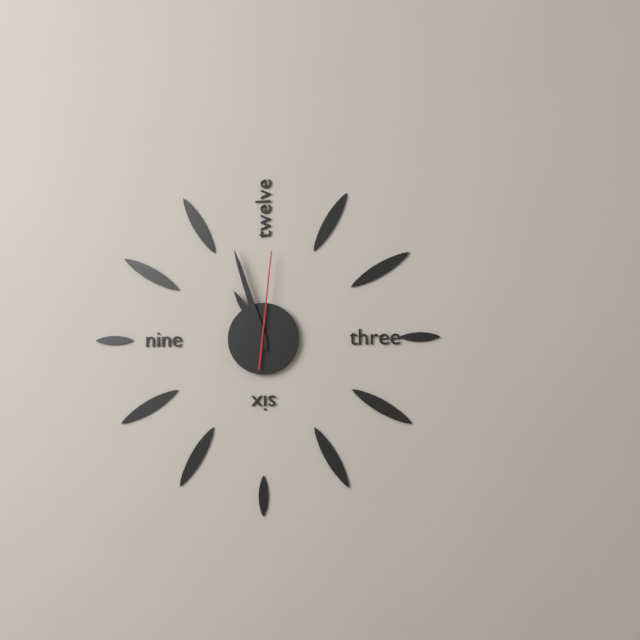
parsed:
10:57:01
